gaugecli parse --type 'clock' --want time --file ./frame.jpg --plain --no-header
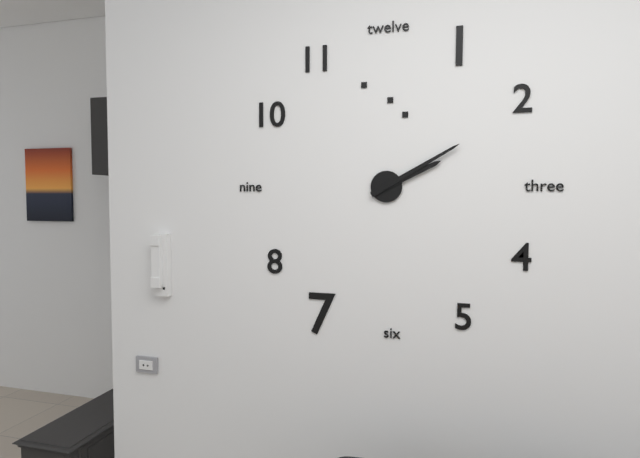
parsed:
2:10
